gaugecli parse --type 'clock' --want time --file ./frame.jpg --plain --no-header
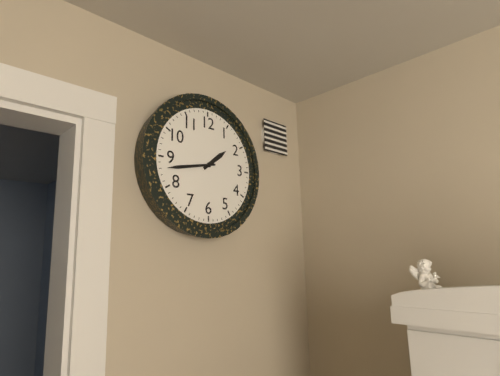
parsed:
1:43
